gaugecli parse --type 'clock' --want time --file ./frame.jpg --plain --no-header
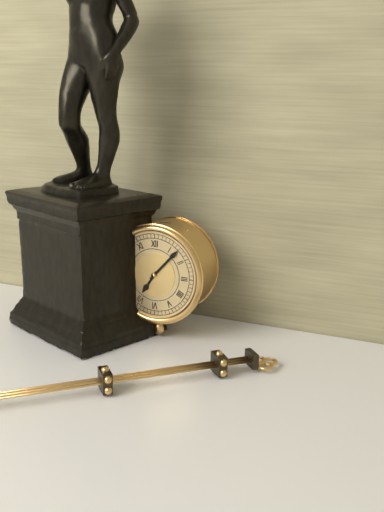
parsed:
7:07
